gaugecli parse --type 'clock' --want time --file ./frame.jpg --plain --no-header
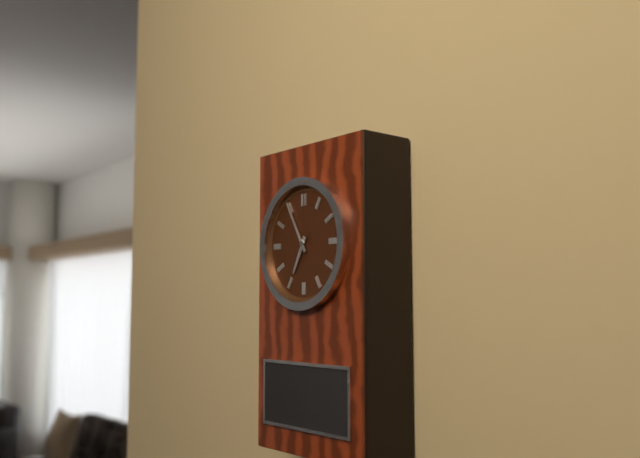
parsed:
6:55
